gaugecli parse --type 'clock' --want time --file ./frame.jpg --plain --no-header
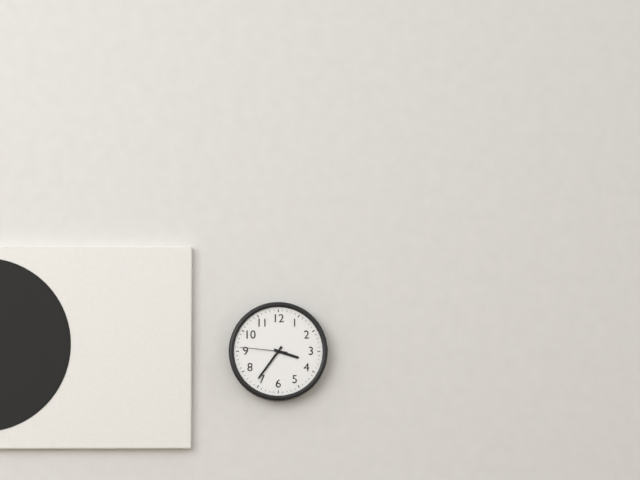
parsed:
3:36
